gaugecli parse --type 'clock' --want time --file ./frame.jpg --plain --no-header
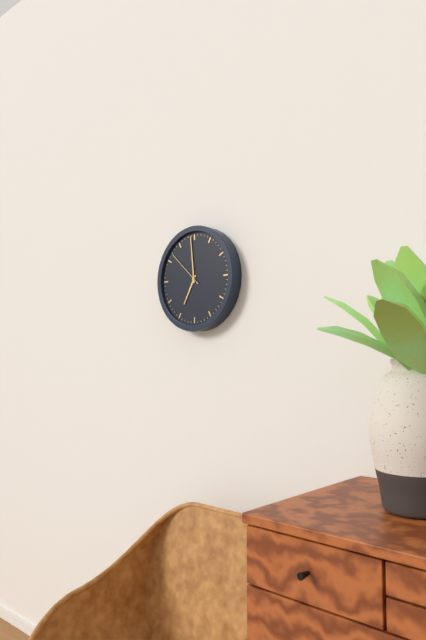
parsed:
6:59
